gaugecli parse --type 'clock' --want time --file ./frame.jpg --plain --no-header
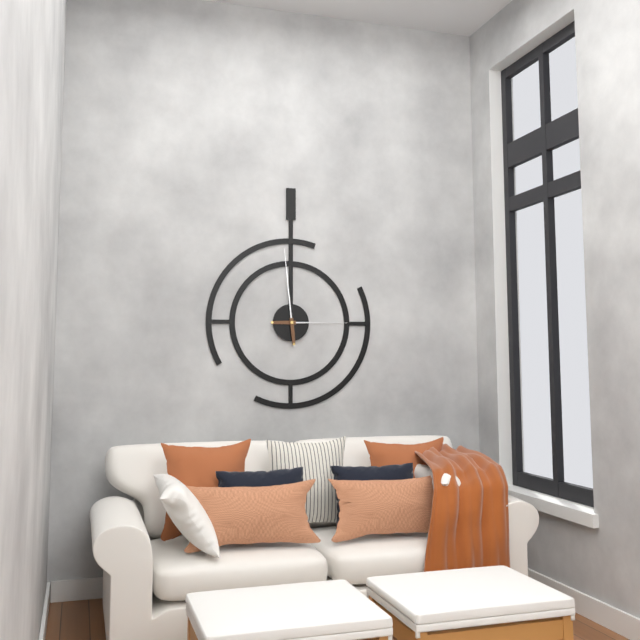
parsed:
2:59
